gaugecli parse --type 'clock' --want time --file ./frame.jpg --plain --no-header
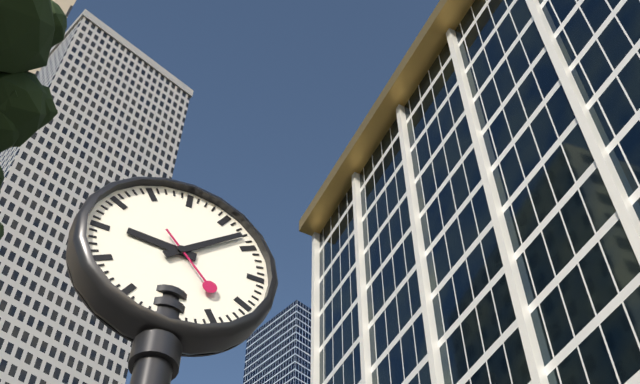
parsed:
9:08:23
